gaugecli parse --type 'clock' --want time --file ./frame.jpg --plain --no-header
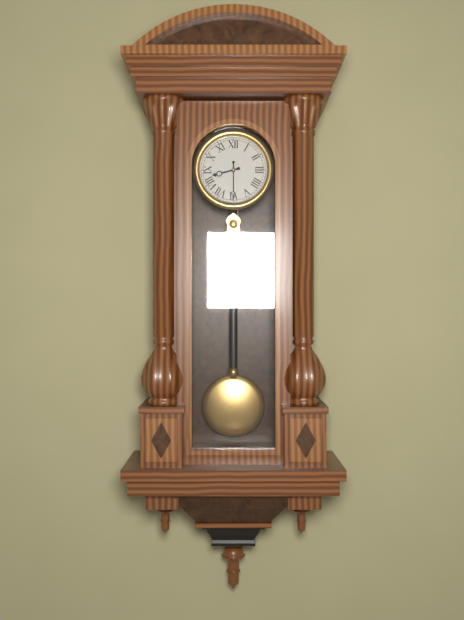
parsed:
8:30
